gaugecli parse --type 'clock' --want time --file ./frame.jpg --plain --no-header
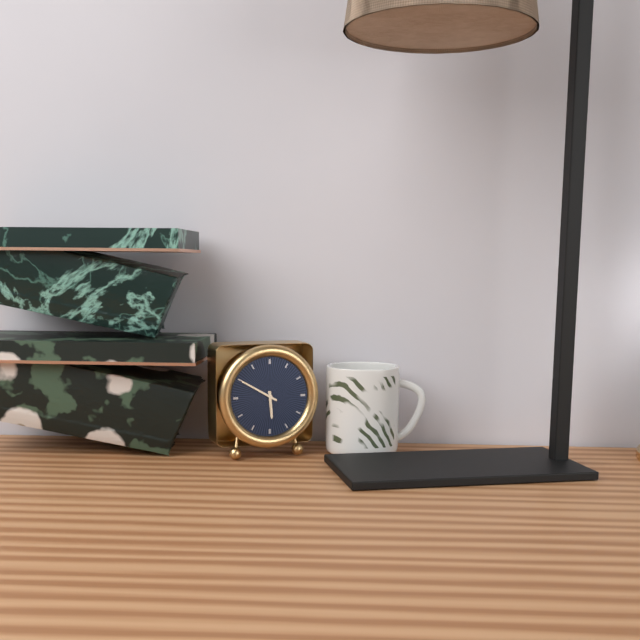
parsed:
5:50
